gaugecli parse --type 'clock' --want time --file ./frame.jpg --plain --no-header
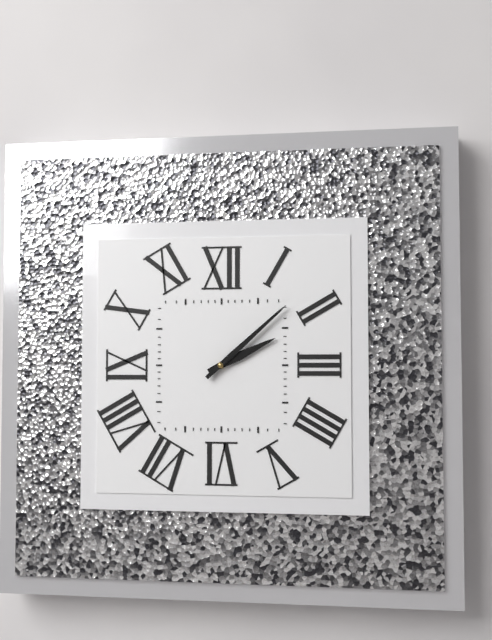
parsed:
2:08
